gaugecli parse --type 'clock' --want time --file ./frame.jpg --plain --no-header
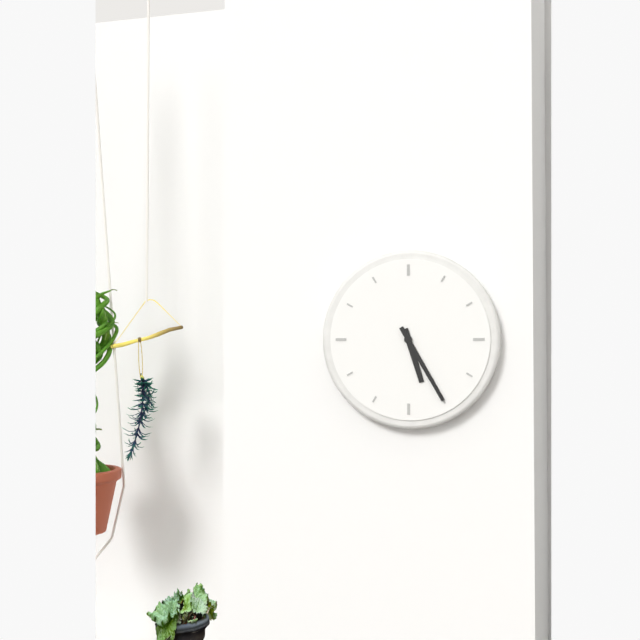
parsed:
5:25
